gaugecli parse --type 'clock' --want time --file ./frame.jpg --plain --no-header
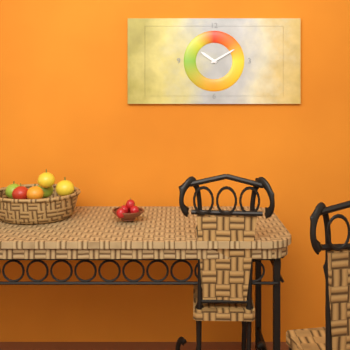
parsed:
10:10
